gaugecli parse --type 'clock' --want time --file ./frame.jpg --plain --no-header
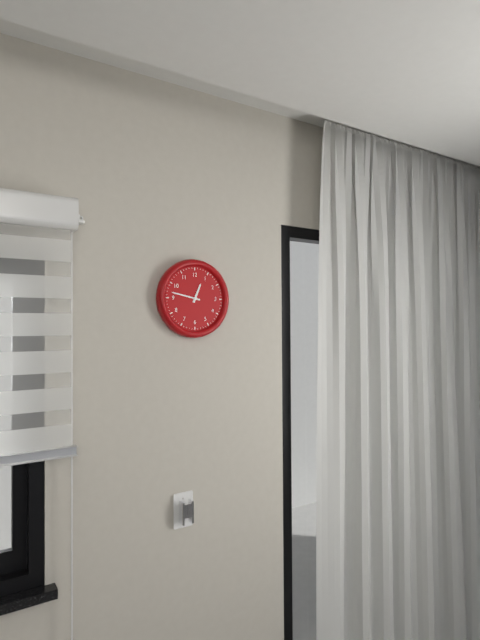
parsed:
12:47
